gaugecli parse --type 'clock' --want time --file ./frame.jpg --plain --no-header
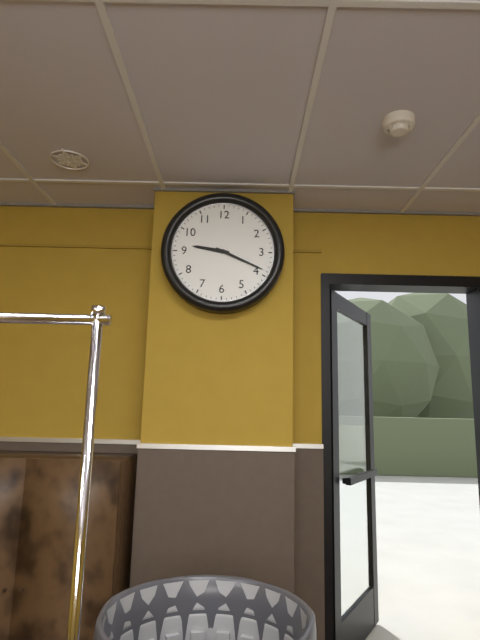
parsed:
9:19
